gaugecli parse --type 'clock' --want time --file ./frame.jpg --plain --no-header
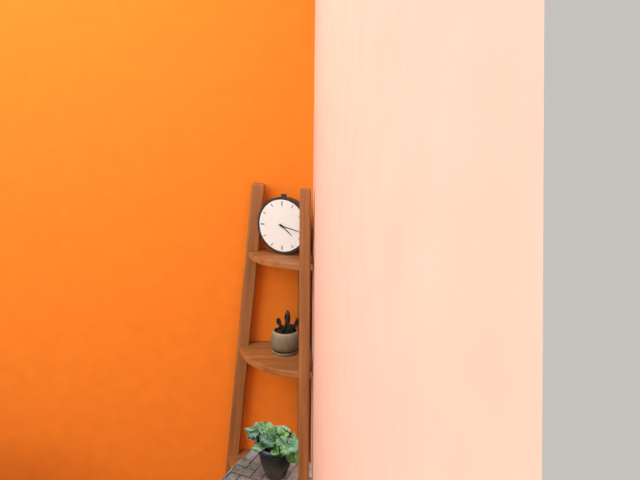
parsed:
4:17
